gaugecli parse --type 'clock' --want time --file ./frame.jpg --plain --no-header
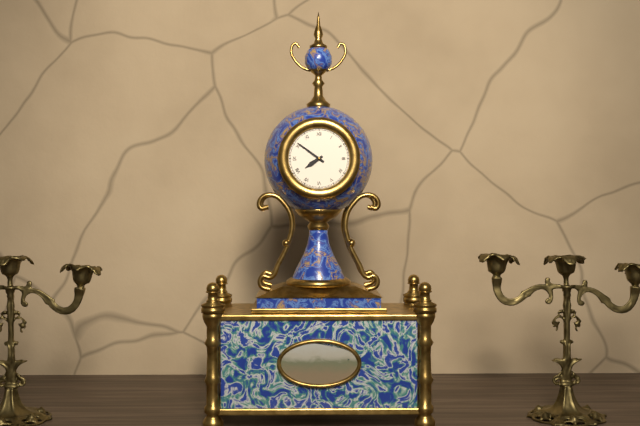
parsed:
7:51
